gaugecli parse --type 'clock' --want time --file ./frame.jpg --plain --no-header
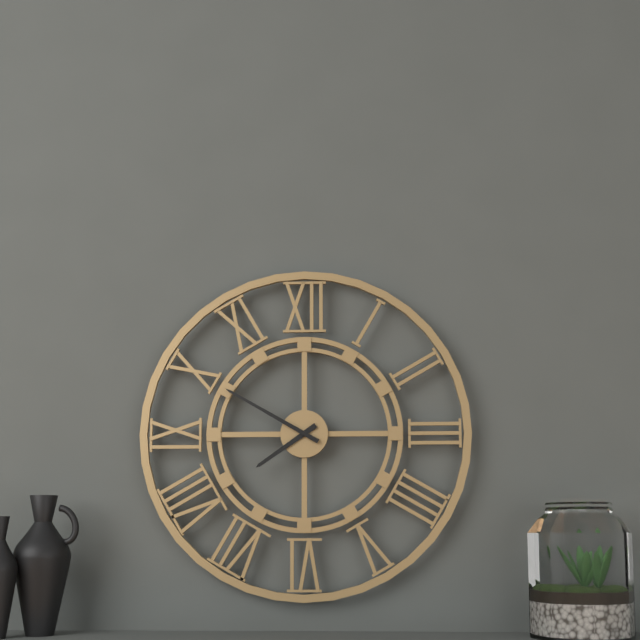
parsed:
7:50
